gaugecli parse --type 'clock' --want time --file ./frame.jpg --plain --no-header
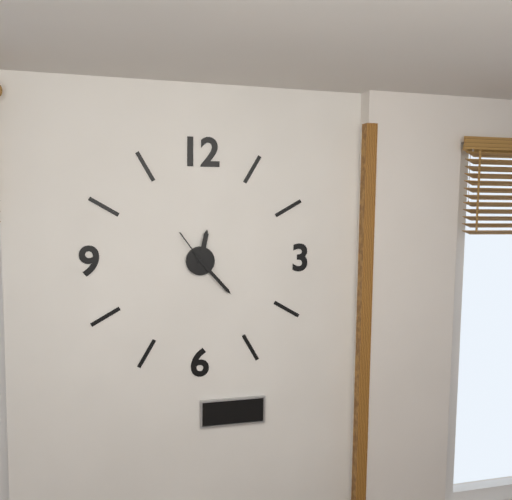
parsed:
12:23
